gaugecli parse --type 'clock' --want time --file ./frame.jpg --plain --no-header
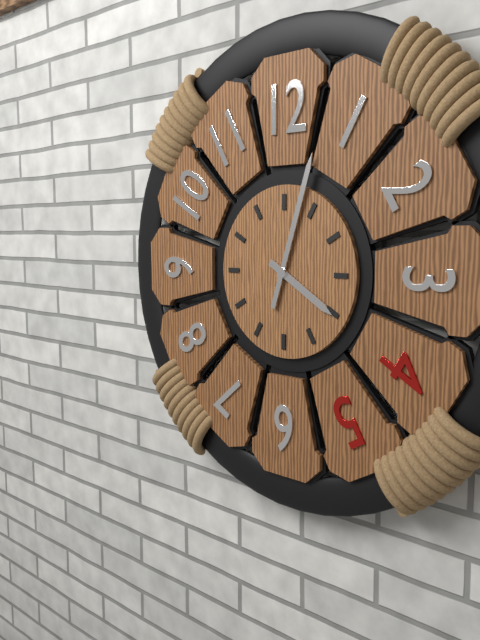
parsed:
4:03
